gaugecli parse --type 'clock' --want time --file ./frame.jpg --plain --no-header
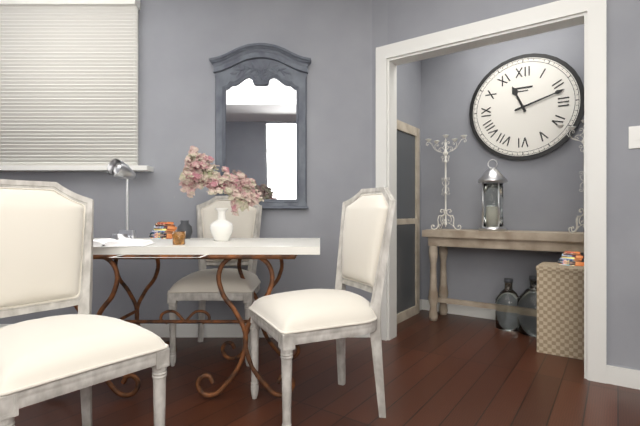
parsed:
11:12
